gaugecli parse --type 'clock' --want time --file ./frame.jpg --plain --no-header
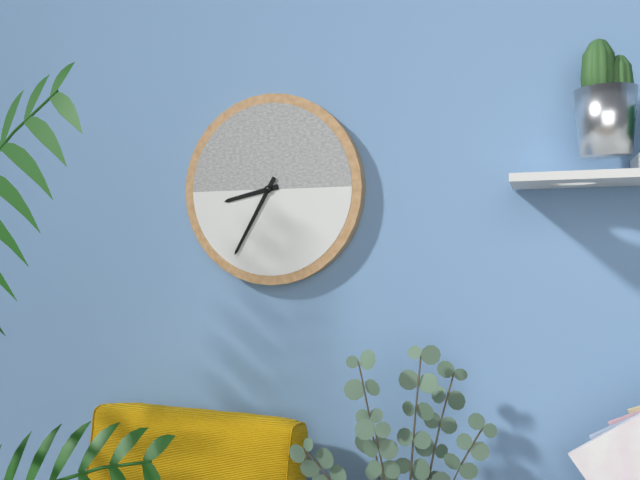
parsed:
8:35
